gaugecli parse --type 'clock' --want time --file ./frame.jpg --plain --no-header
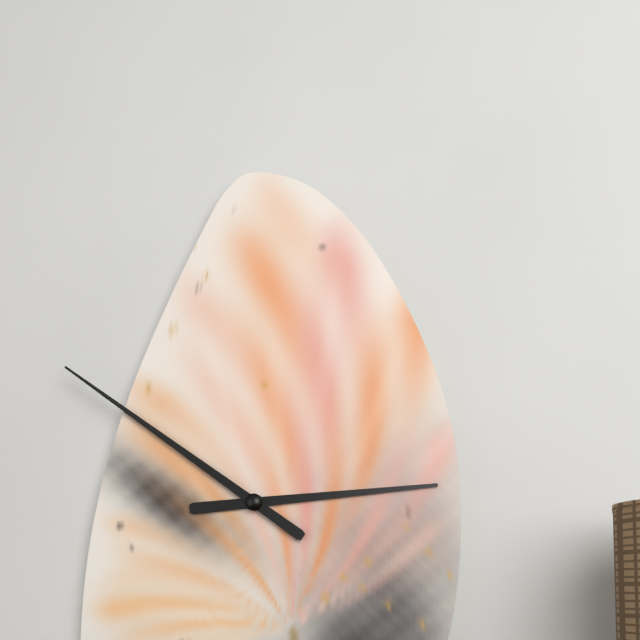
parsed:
2:51
